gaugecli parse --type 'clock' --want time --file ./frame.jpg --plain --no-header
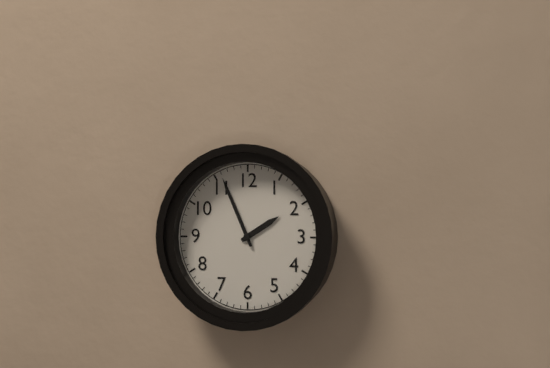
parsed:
1:56
